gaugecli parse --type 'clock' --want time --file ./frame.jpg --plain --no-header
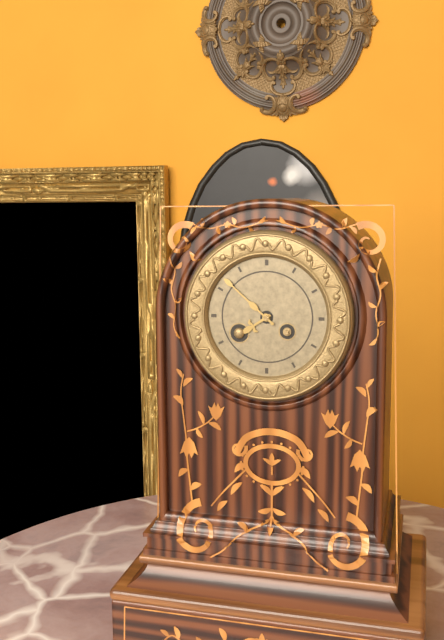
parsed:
7:52
